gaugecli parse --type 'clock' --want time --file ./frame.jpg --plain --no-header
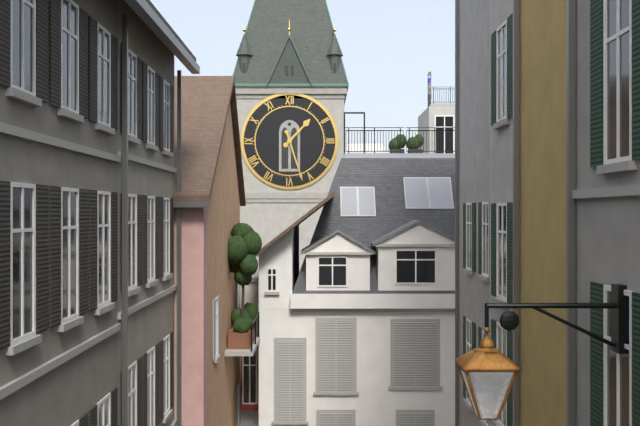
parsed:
1:27
